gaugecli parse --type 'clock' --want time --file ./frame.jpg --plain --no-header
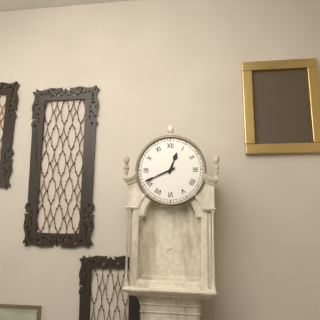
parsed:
12:41
